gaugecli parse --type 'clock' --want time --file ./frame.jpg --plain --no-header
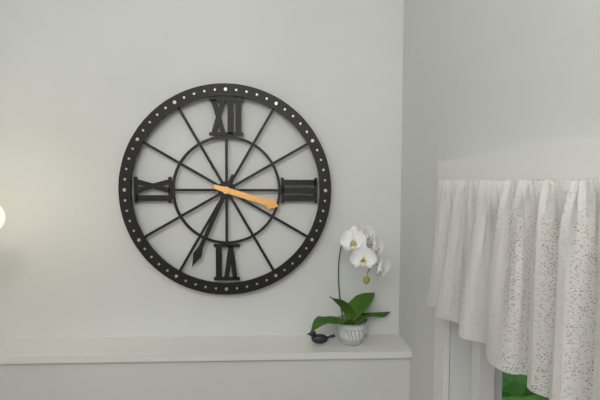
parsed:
3:34
